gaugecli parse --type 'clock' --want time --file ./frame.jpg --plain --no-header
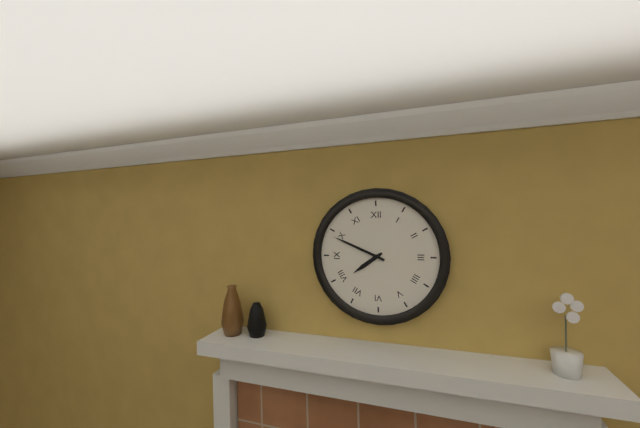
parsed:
7:49
